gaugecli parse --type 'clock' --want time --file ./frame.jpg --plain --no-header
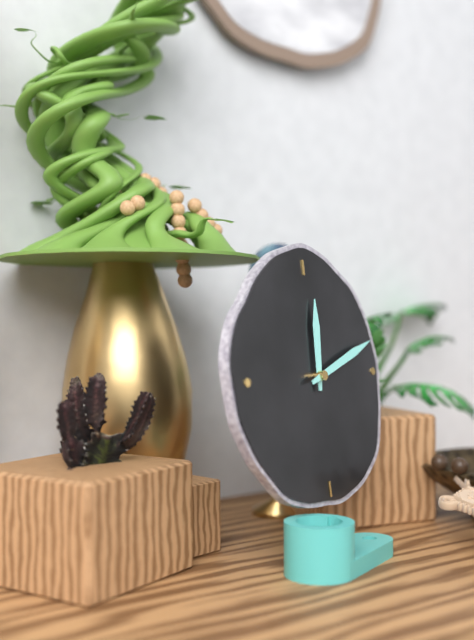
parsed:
12:12
